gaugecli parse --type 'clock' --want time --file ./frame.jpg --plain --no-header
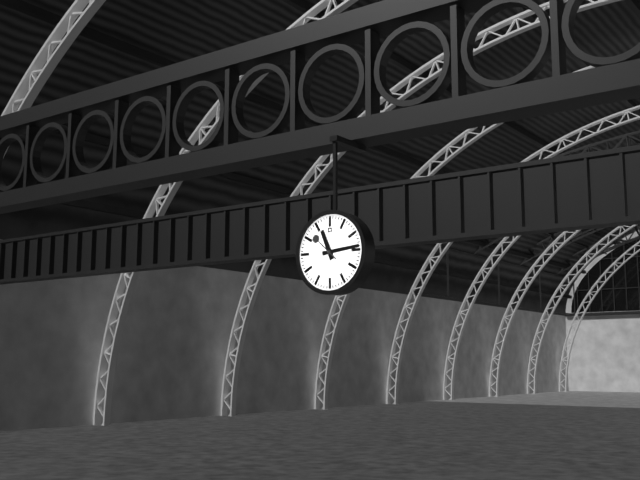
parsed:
11:14
